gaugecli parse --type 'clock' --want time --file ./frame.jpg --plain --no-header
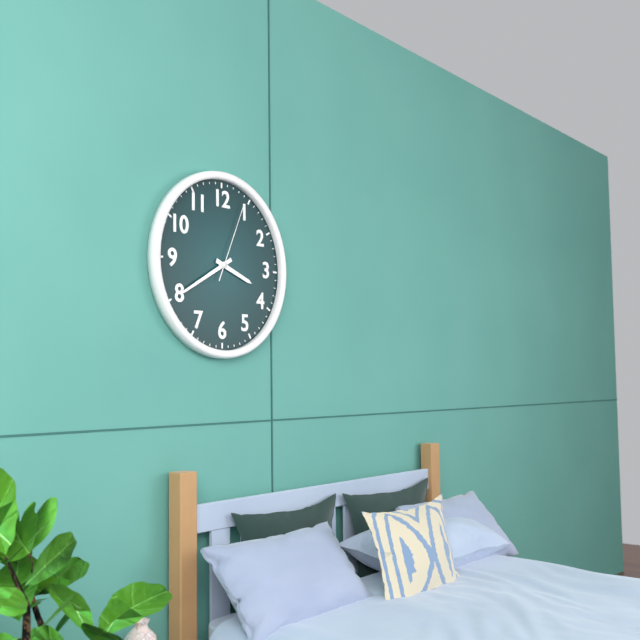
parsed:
3:40:04
